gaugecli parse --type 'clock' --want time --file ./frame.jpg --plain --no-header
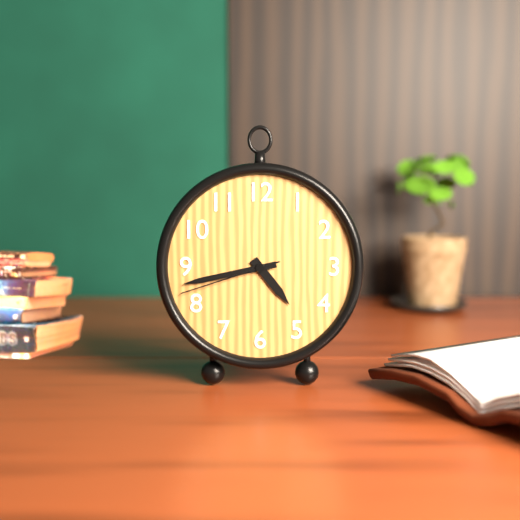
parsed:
4:43:42
